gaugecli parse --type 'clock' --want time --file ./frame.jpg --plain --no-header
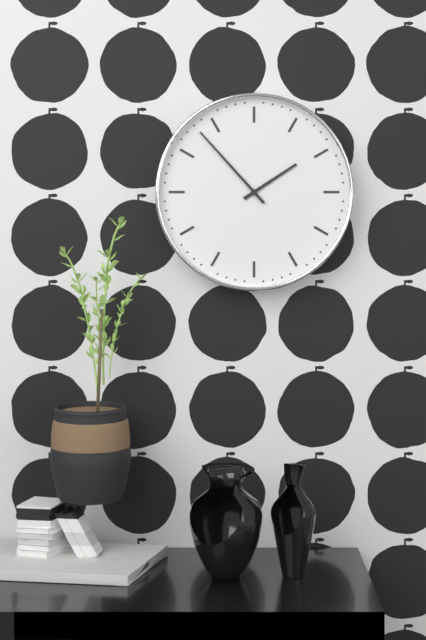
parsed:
1:53
